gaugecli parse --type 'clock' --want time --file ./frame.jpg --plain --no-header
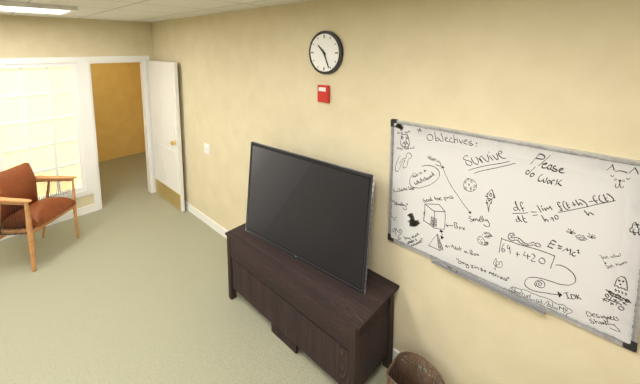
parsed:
10:26
